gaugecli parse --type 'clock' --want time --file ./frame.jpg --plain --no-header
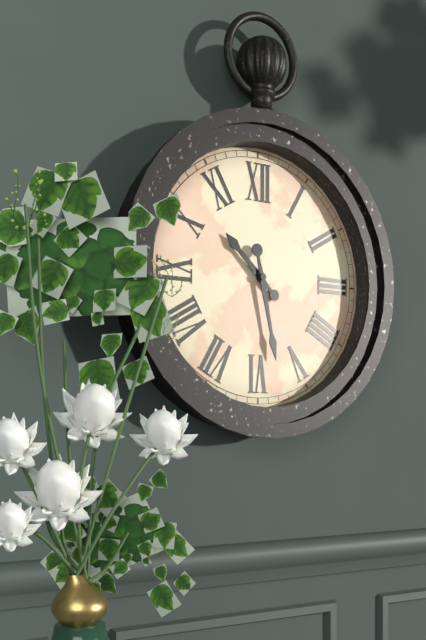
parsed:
10:28
